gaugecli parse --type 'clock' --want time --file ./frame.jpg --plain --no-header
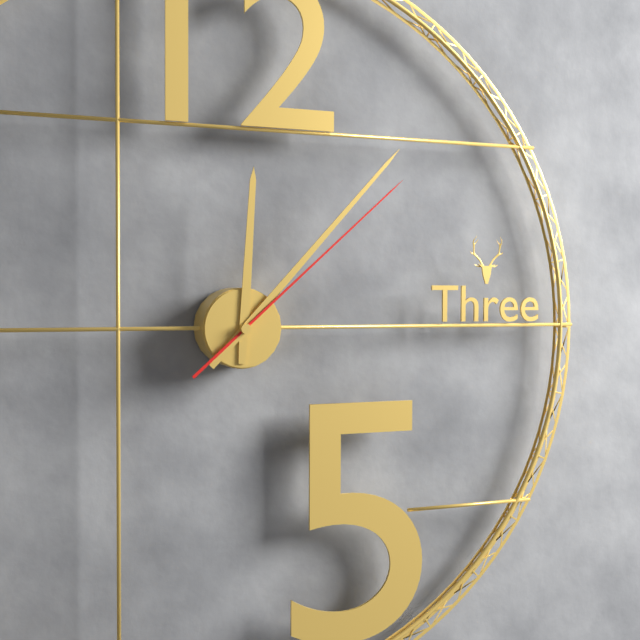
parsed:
12:07:08
